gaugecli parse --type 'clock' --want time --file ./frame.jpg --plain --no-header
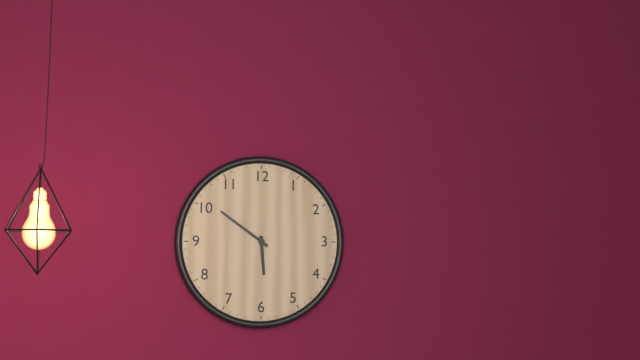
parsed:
5:51
